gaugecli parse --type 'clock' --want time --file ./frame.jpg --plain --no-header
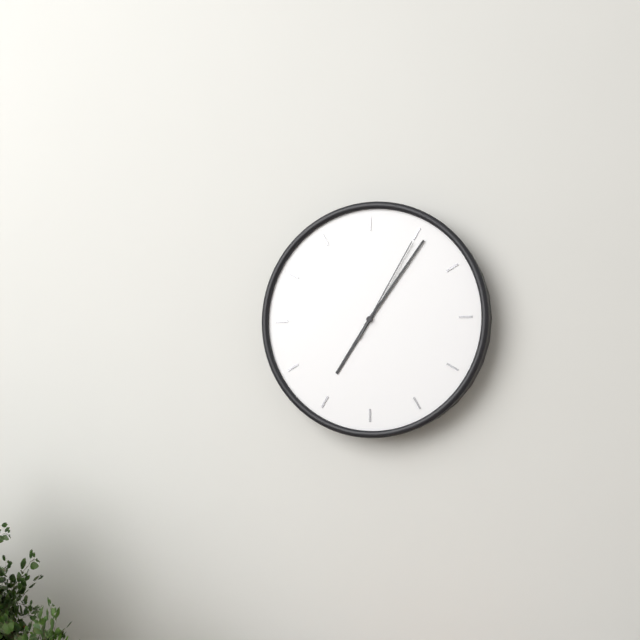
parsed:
7:06:05
